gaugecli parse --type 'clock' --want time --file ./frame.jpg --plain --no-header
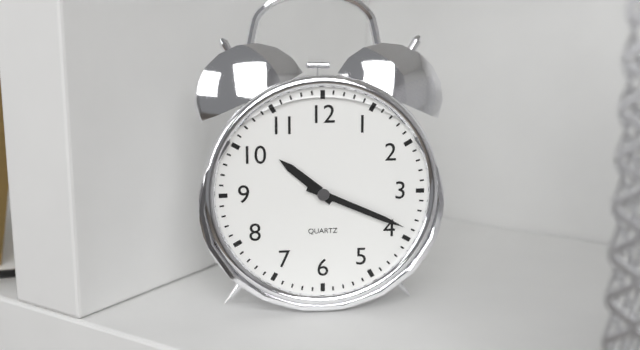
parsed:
10:19
